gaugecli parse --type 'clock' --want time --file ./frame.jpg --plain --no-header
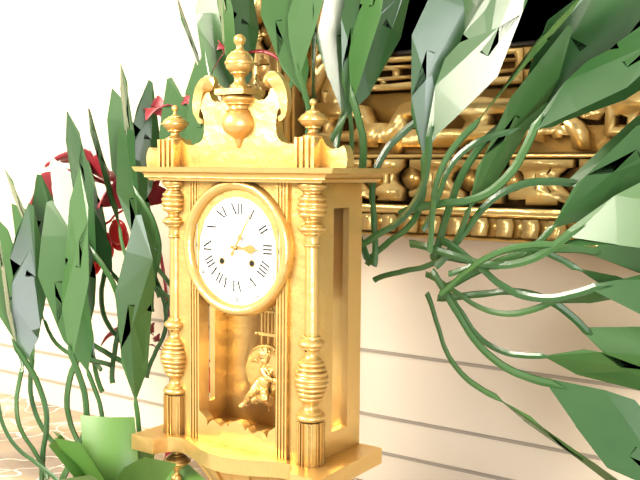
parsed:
3:05
